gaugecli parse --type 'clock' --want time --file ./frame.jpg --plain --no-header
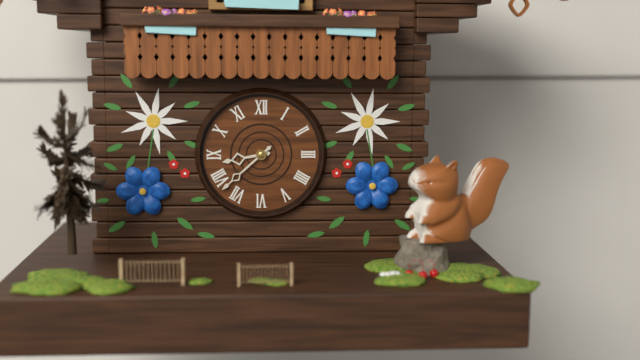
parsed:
8:38
